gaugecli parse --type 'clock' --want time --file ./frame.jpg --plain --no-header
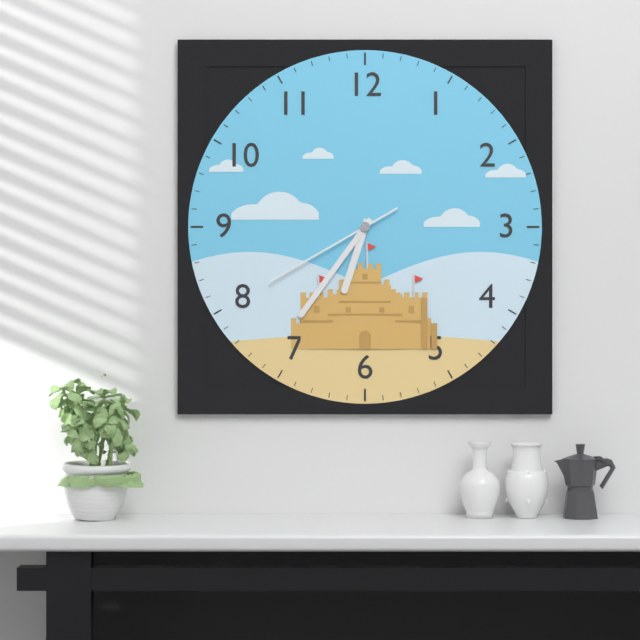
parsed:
6:36:40
